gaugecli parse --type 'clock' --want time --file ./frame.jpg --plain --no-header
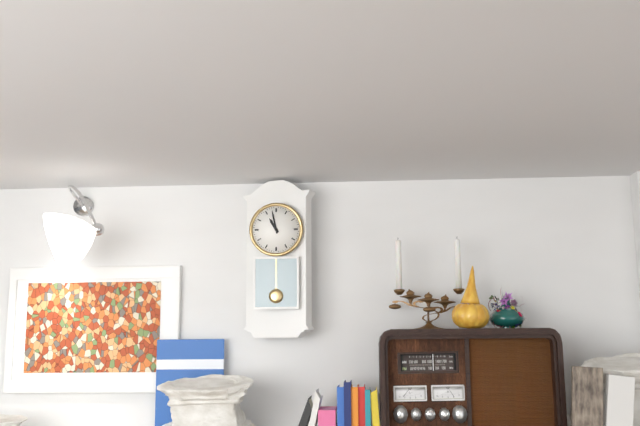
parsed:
10:58
